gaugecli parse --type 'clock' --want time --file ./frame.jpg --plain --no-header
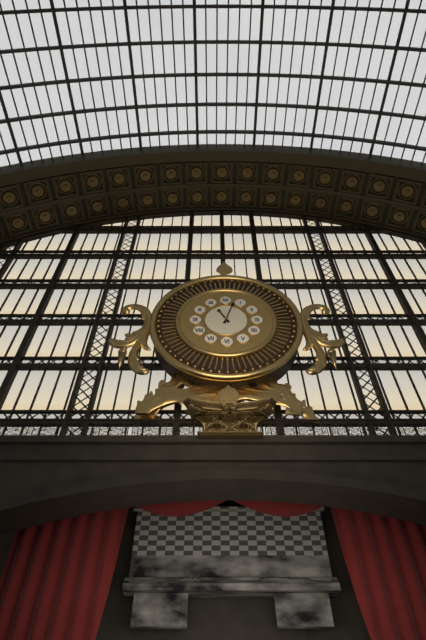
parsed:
11:03
